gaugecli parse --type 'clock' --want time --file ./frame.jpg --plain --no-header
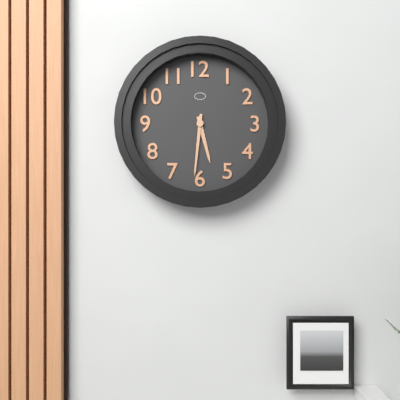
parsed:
5:31
